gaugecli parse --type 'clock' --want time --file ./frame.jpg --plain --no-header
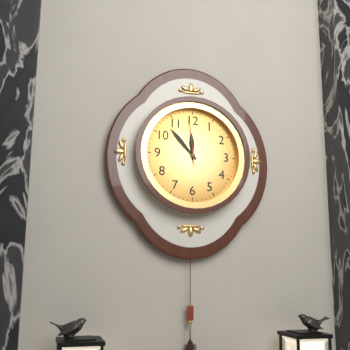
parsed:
11:53
